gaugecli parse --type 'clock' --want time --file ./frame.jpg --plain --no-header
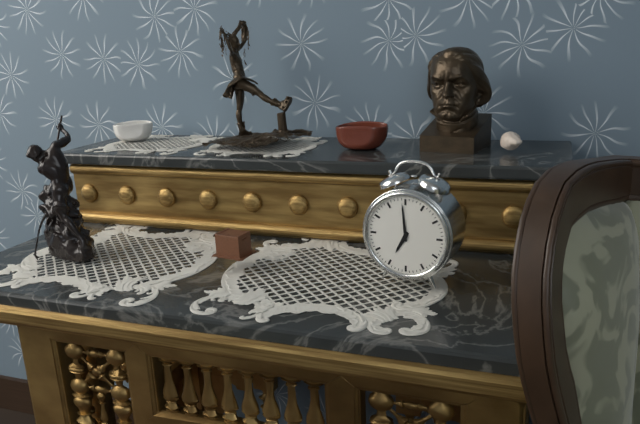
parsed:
6:59
